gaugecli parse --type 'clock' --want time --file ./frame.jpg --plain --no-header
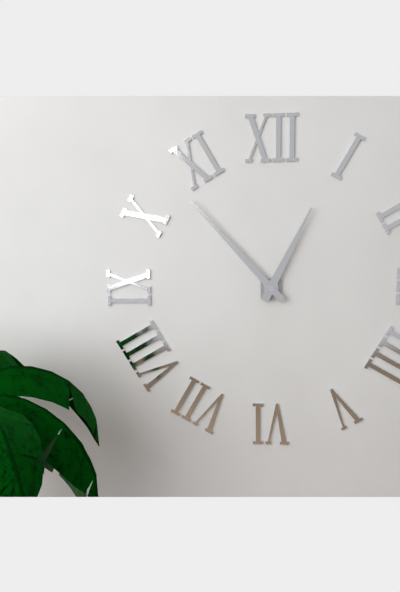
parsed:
12:53
